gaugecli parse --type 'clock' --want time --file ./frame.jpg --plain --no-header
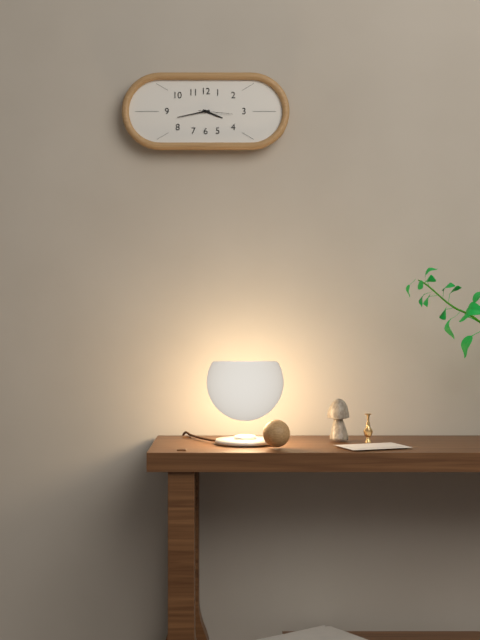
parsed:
3:43
